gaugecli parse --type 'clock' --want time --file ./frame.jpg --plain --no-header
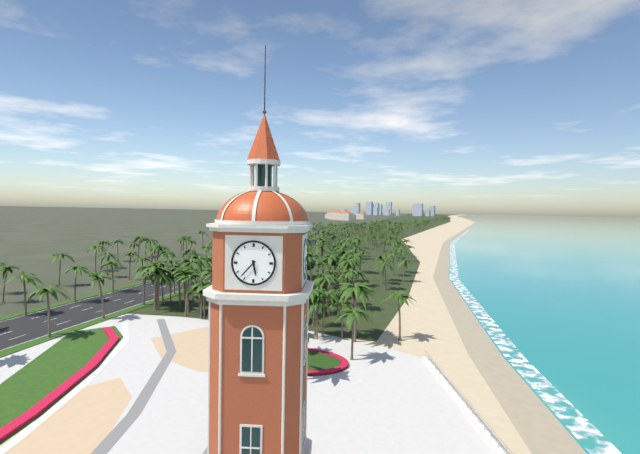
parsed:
5:37
